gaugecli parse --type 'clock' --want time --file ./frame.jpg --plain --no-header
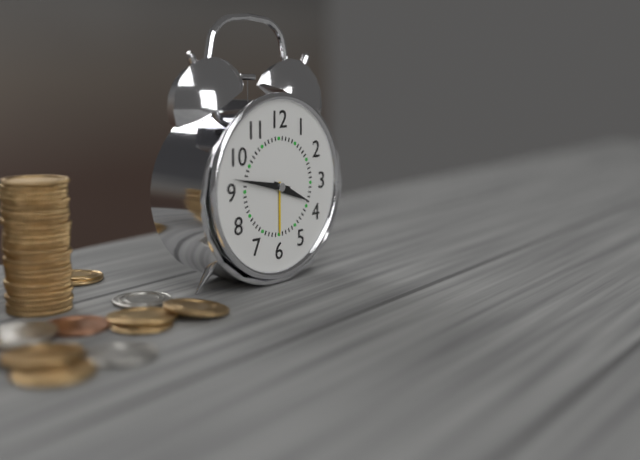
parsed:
3:47
